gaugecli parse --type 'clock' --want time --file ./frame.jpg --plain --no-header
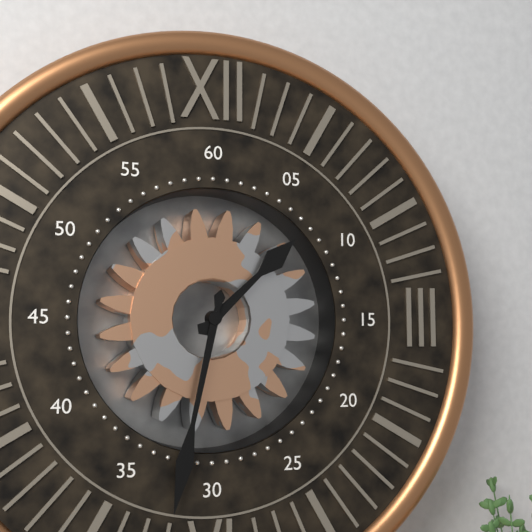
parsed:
1:32
